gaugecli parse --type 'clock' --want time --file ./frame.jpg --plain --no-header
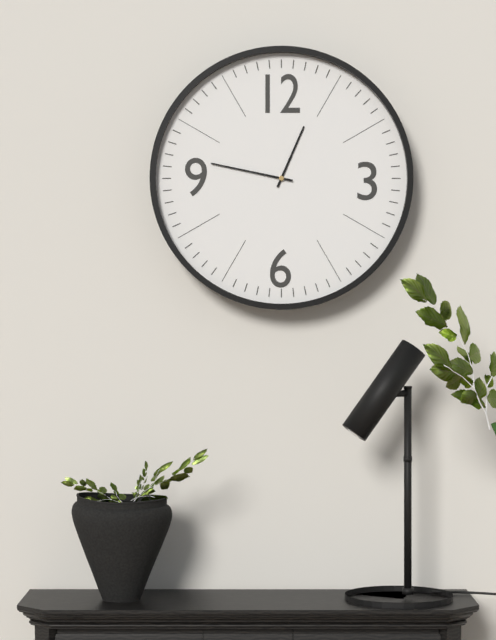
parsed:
12:47
